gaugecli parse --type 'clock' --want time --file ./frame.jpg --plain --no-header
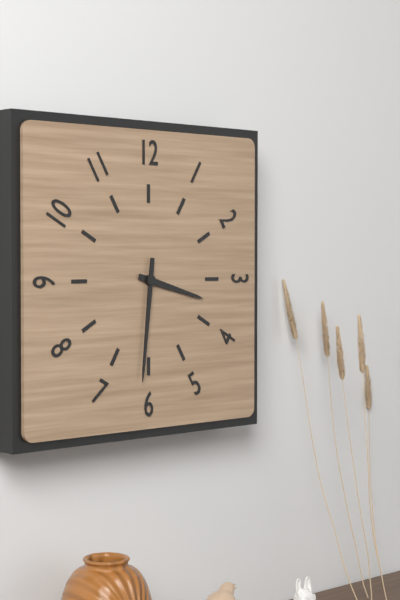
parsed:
3:31
